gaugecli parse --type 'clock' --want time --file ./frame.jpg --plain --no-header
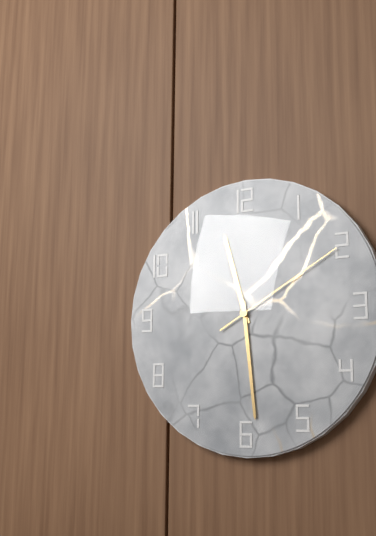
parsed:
11:29:10
